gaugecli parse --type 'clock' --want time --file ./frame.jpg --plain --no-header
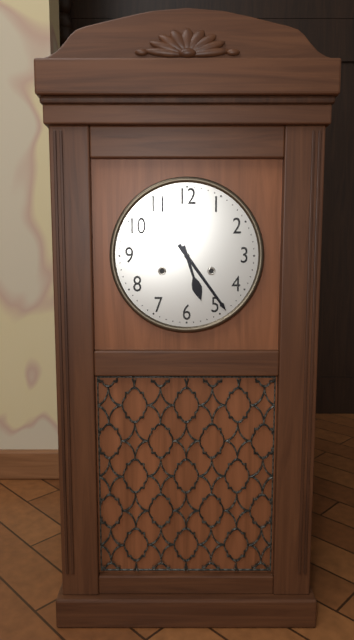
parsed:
5:24
